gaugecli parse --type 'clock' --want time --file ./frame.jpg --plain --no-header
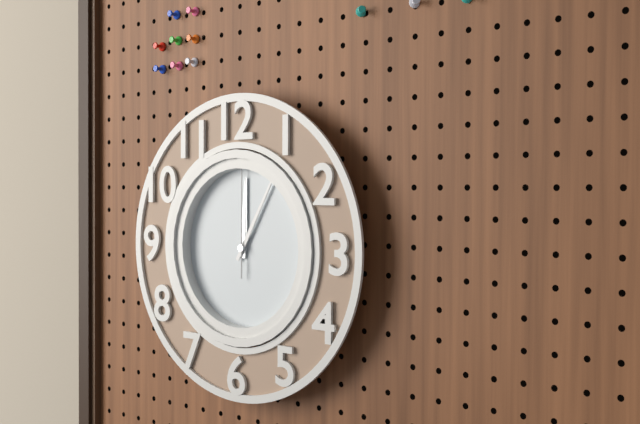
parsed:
12:05:00
